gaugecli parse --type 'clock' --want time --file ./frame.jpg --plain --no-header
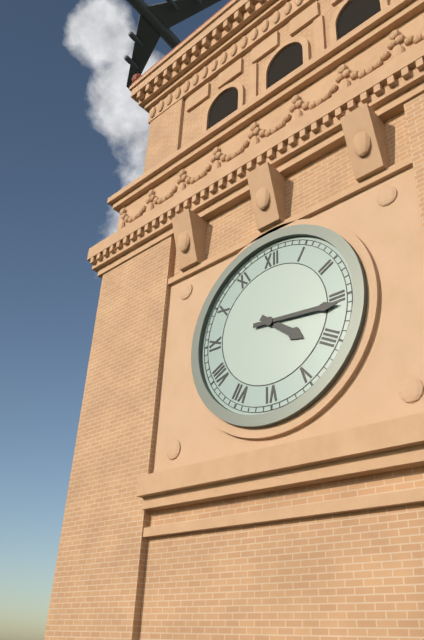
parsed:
4:16
